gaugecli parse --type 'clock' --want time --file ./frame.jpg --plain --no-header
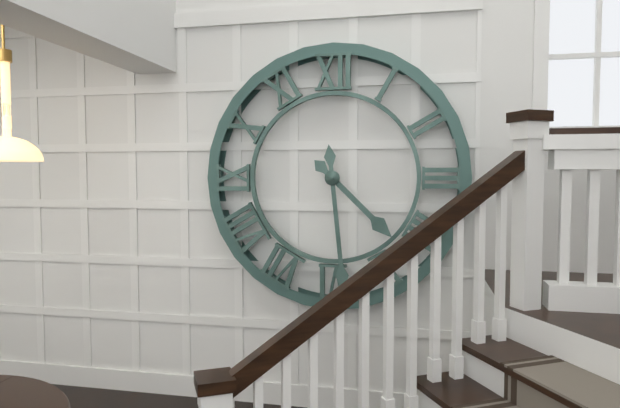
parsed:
4:29
